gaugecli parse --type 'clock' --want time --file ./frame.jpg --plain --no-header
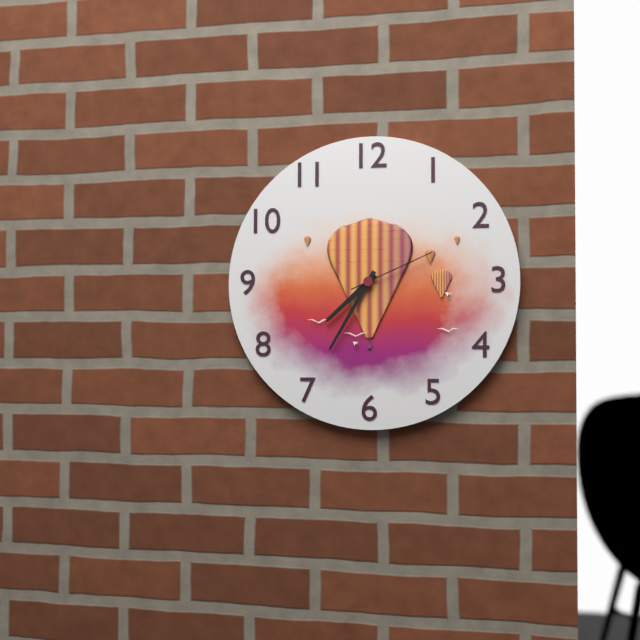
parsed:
7:35:11
